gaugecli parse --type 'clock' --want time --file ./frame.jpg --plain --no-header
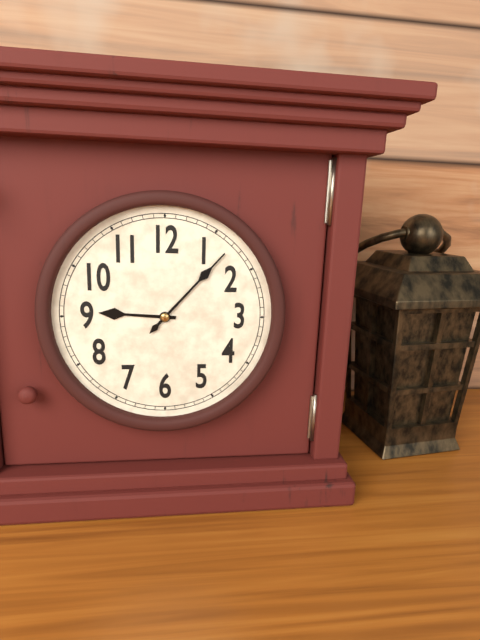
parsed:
9:07
